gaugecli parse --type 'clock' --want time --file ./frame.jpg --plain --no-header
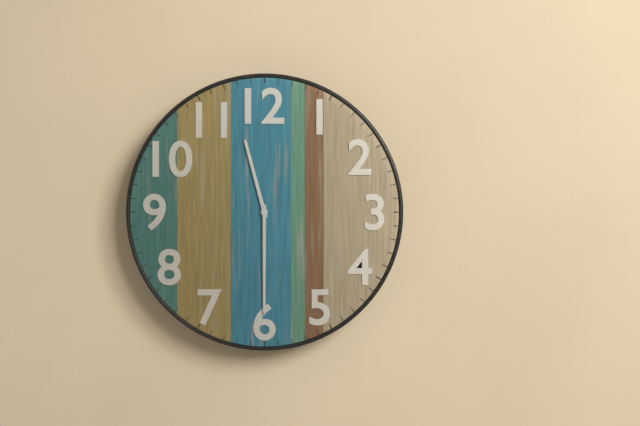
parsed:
11:30
